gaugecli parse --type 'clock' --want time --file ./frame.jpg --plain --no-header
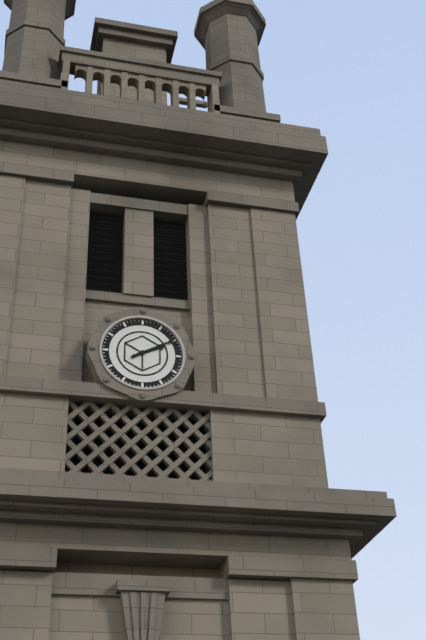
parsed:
2:10
